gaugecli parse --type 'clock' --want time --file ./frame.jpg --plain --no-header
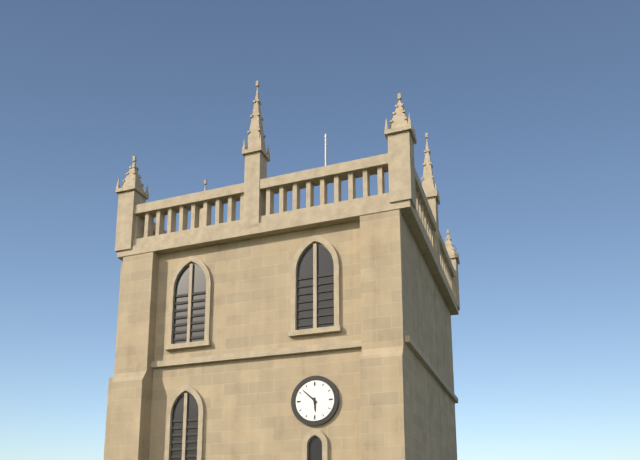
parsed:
5:52
